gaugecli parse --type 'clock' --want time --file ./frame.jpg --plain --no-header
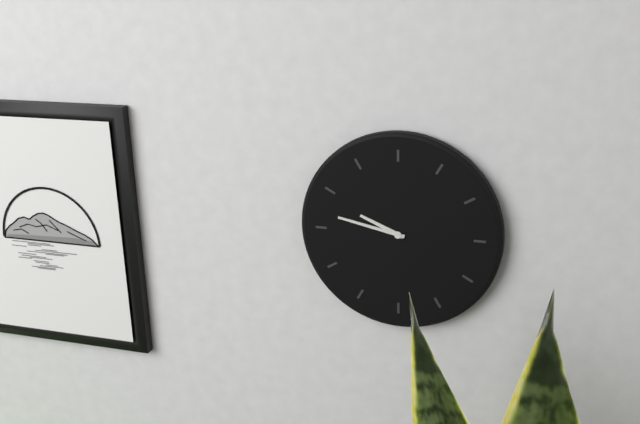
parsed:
9:47
